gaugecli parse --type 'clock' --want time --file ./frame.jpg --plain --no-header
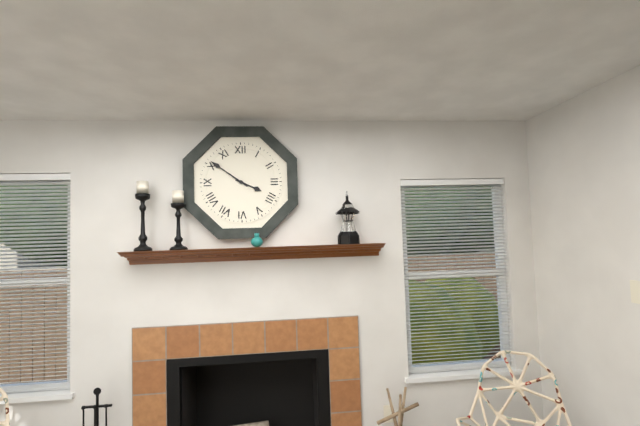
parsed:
3:51
